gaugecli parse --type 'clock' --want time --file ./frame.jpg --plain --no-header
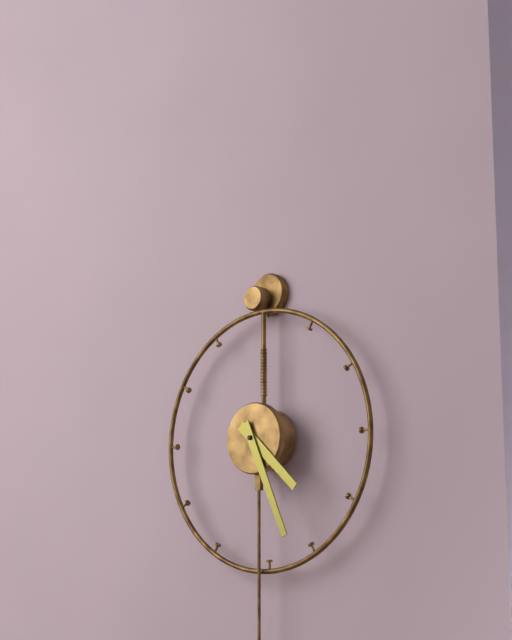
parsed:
4:26
